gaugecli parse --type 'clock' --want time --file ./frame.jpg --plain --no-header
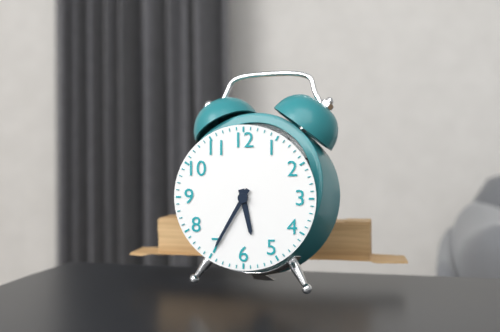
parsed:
5:35
